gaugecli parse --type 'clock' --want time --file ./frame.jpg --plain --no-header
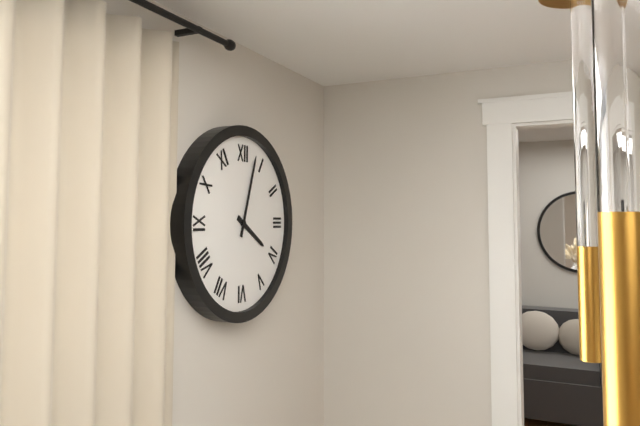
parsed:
4:03
